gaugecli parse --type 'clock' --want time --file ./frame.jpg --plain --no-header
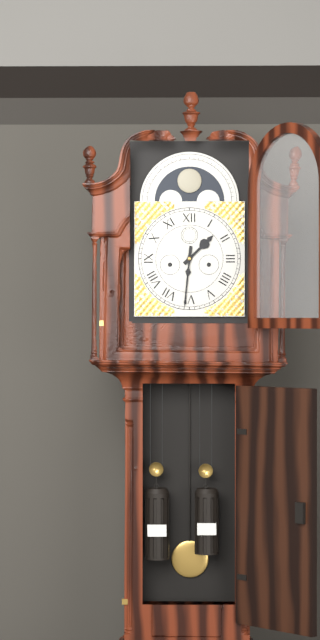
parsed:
1:31
